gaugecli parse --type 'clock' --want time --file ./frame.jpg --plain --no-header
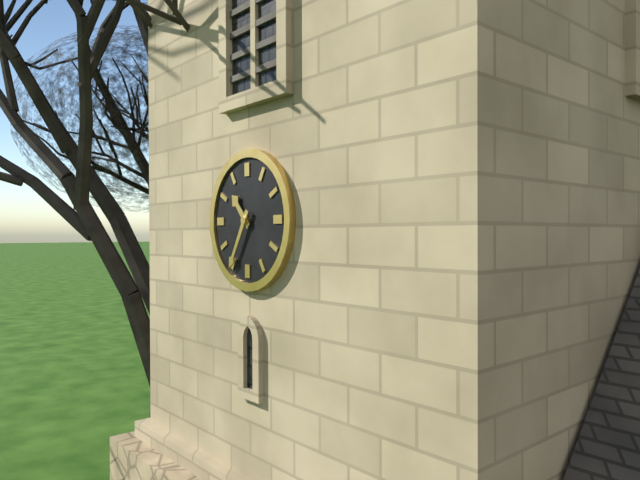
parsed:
10:35
